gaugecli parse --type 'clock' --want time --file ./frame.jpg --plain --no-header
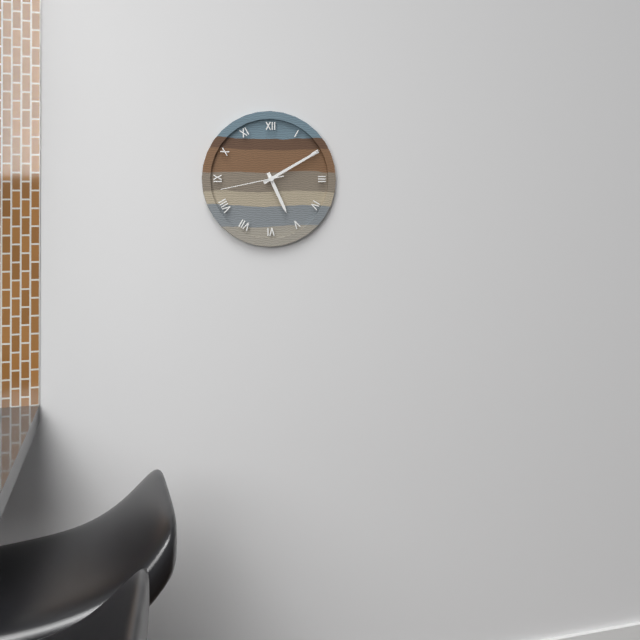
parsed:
5:10:43
